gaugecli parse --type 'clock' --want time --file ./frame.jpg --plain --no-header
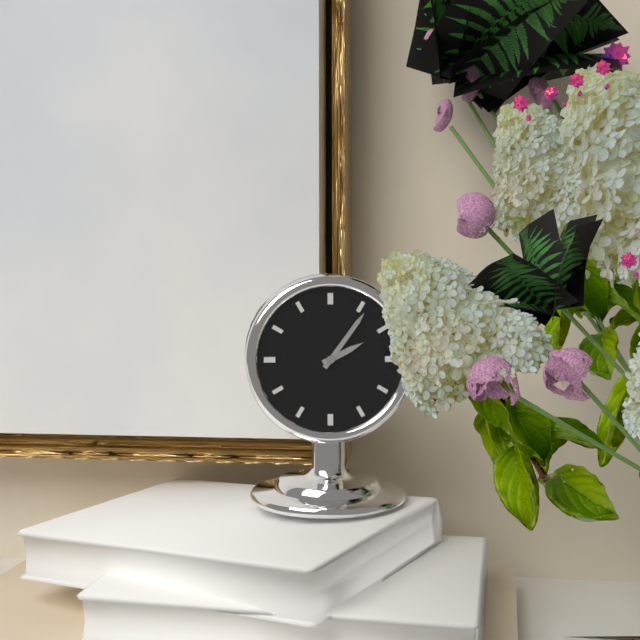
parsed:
2:06
